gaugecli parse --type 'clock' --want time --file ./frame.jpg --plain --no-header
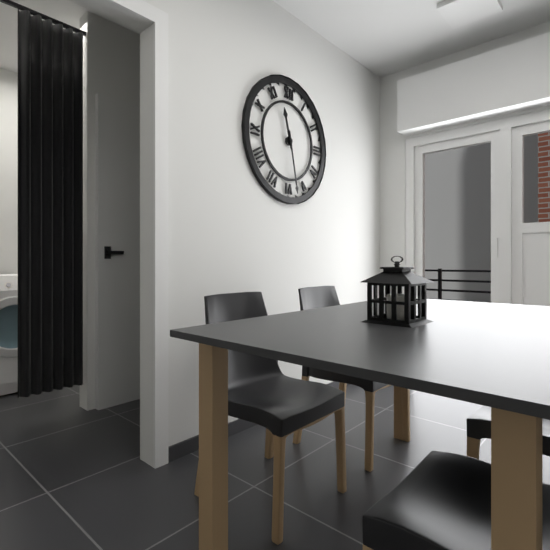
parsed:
11:28
